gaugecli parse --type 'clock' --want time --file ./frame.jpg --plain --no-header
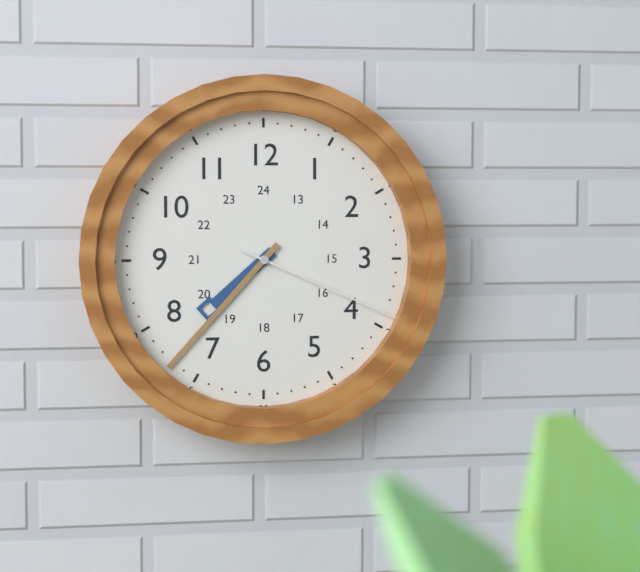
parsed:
7:37:19
